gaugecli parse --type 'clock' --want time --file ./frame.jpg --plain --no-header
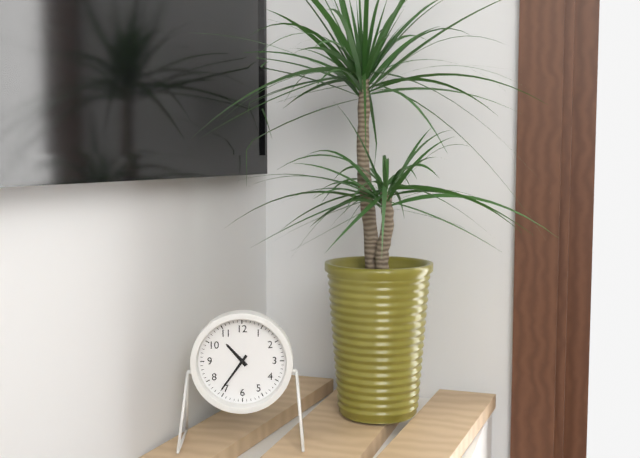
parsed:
10:36
